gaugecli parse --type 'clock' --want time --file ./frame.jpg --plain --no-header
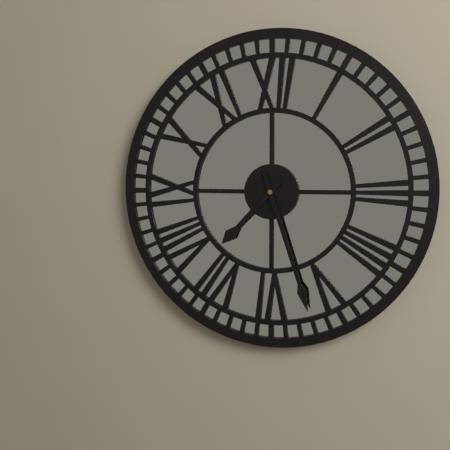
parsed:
7:27
